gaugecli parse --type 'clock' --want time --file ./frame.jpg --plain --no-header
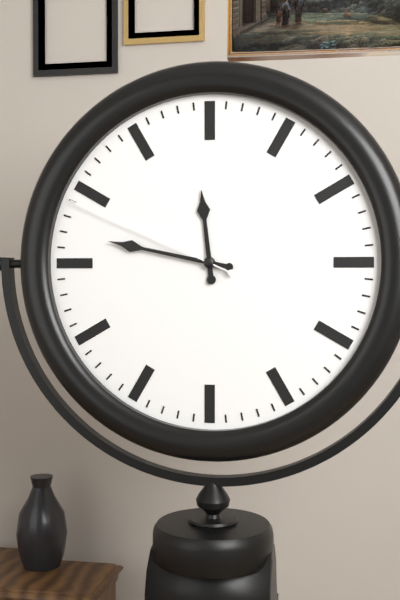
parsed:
11:47:49
